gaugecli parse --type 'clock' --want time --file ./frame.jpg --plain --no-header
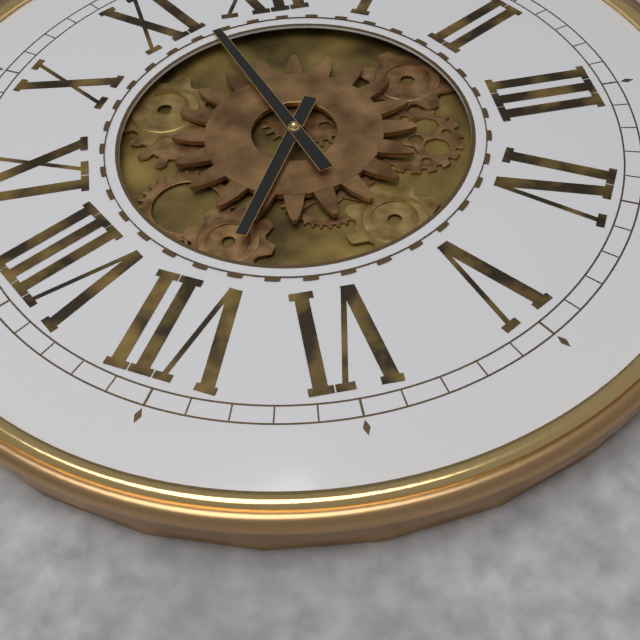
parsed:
6:57
